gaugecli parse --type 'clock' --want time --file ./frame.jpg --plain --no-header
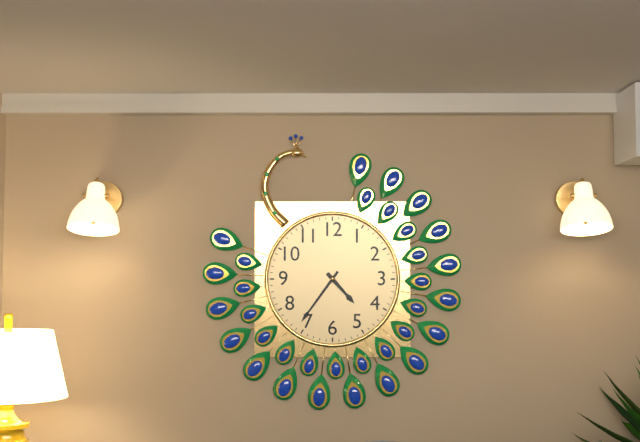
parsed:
4:36
